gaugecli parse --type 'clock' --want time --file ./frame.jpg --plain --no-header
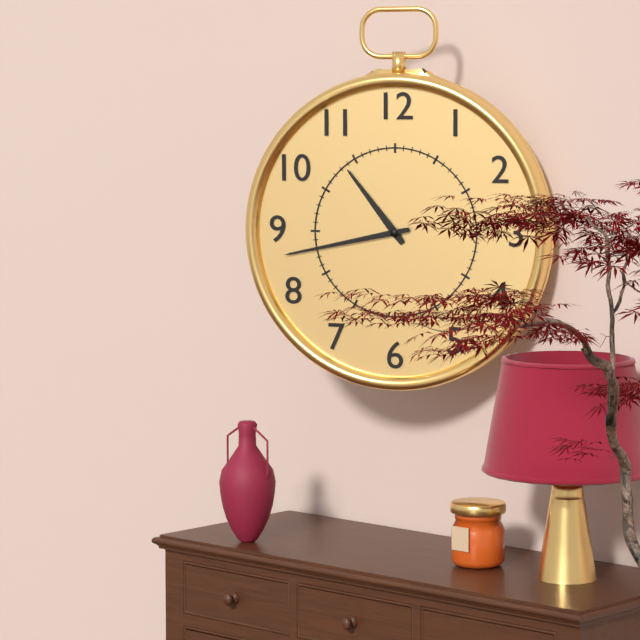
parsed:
10:43
